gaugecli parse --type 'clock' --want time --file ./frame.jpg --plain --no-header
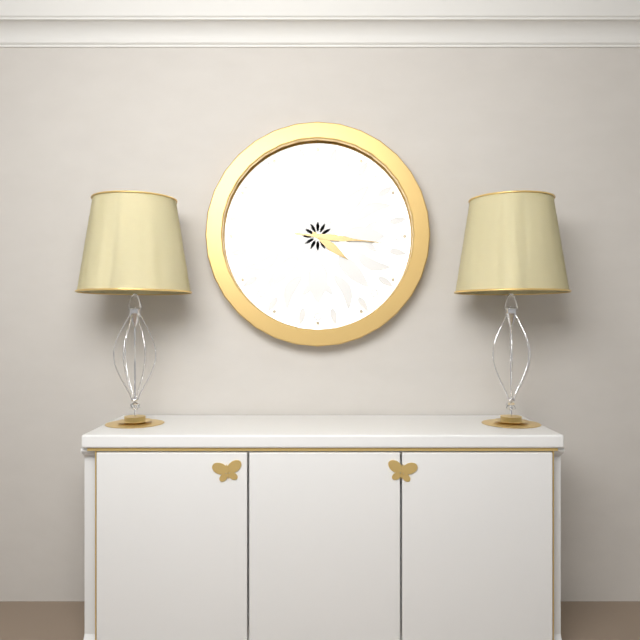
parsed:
4:16
